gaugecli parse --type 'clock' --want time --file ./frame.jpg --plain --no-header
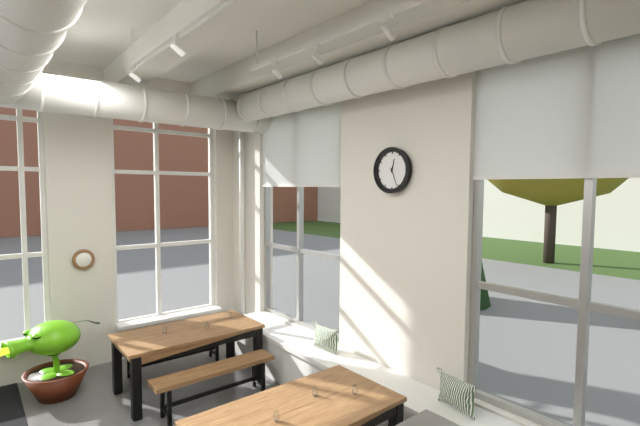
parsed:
12:26
